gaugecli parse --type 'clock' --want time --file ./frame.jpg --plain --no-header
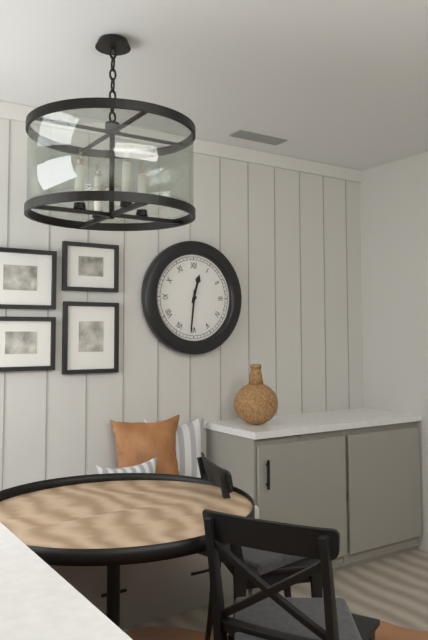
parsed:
12:31
